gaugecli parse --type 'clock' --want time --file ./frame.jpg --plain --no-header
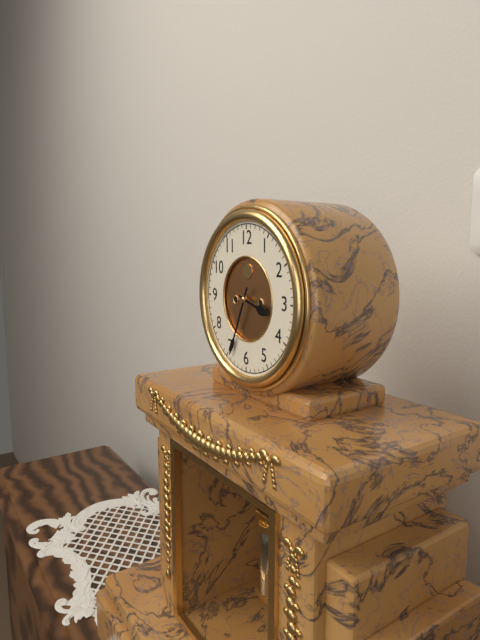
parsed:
3:34
